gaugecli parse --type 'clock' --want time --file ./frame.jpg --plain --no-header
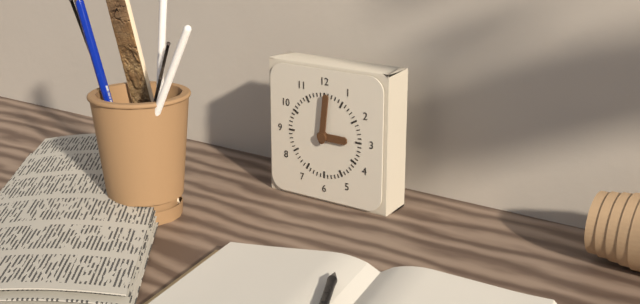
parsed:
3:01
